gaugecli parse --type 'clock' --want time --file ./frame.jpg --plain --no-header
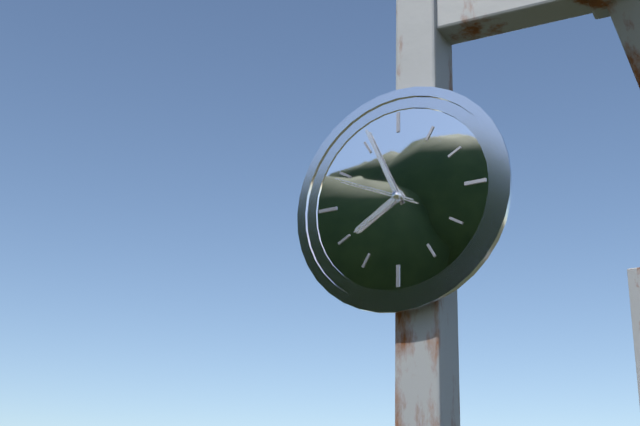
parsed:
7:56:49
